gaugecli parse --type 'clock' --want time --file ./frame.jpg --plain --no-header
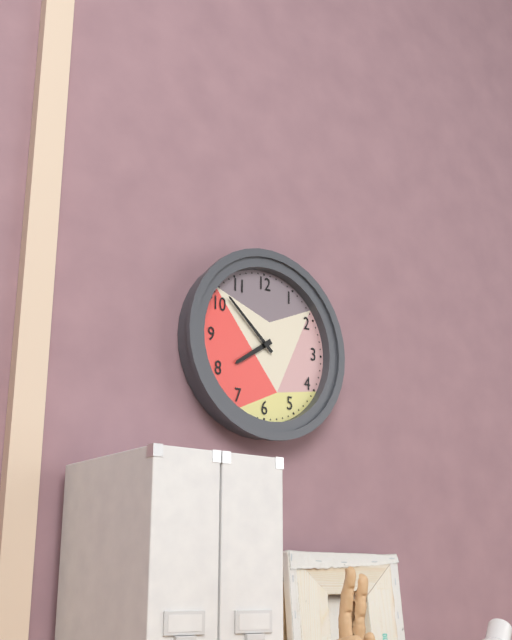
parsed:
7:52
